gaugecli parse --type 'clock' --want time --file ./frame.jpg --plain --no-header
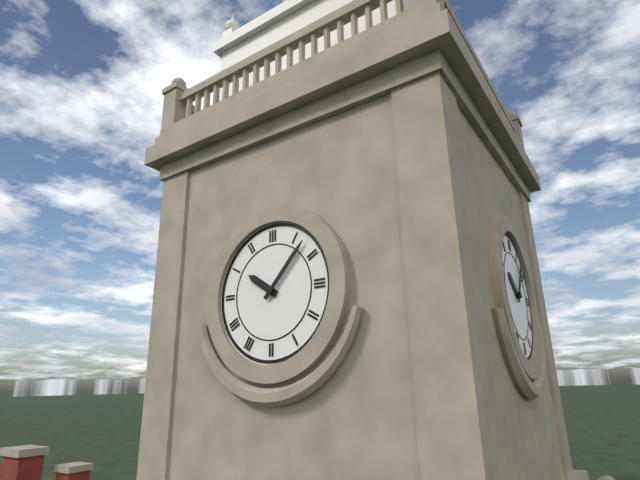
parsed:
10:07
